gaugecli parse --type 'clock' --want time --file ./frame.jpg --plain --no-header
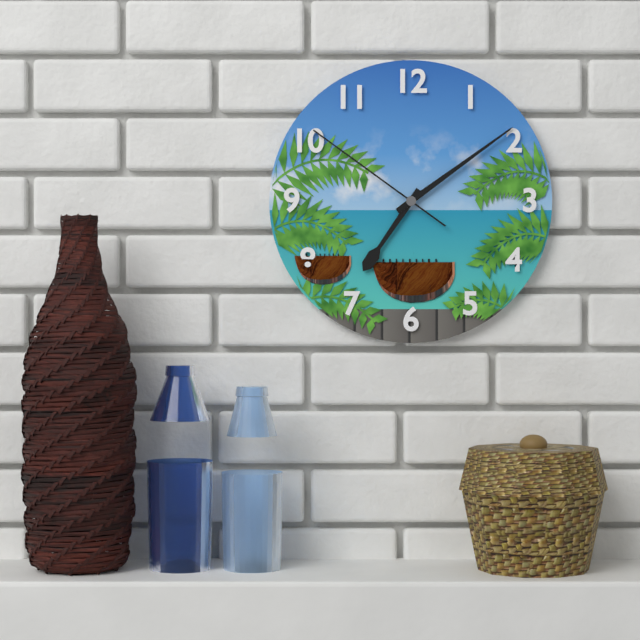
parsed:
7:09:51
